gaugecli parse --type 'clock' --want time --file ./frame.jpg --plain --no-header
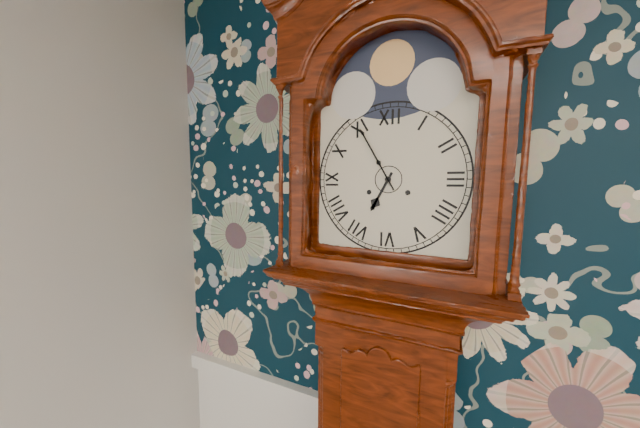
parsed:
6:55
